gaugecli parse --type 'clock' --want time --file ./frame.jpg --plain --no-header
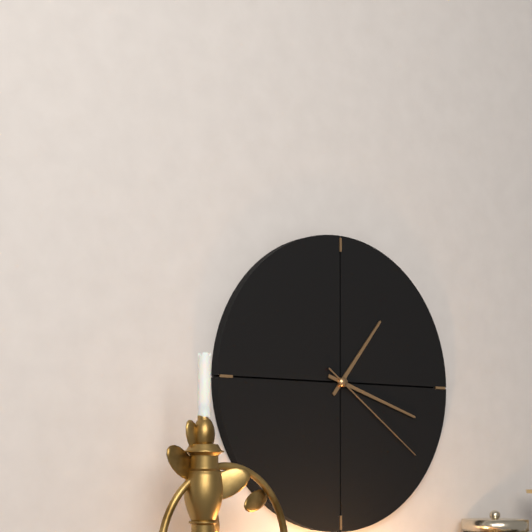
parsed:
1:18:21
